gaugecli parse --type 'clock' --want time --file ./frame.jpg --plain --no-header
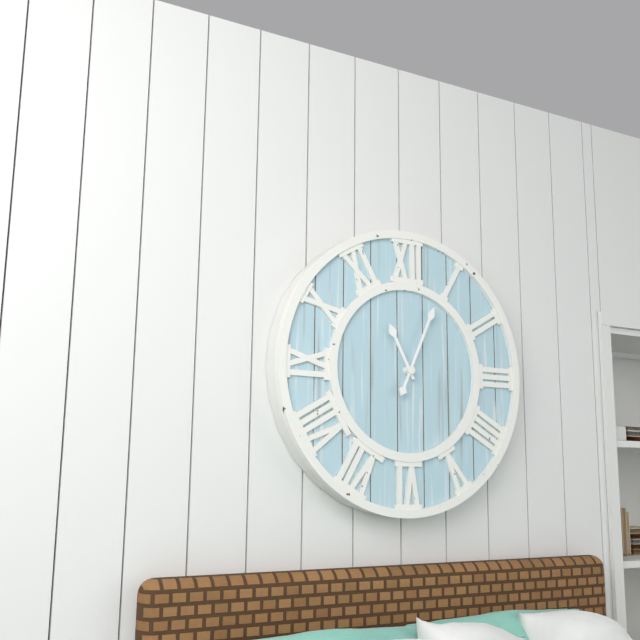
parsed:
11:04
